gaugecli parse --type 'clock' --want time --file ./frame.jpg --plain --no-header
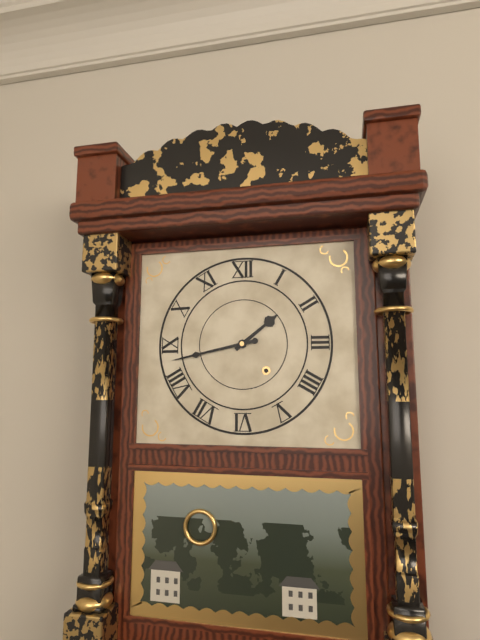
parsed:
1:43
